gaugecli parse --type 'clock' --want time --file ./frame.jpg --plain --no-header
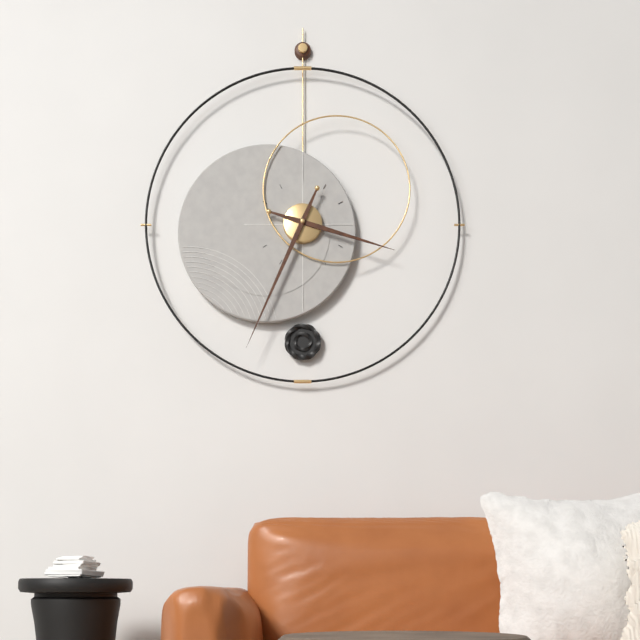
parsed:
3:34
